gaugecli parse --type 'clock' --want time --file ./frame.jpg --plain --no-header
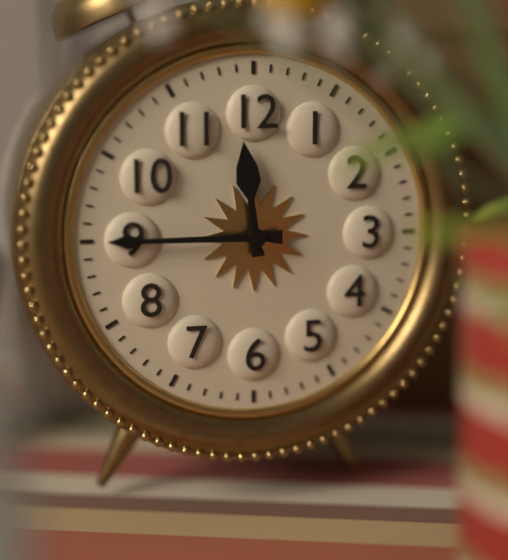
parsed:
11:45
